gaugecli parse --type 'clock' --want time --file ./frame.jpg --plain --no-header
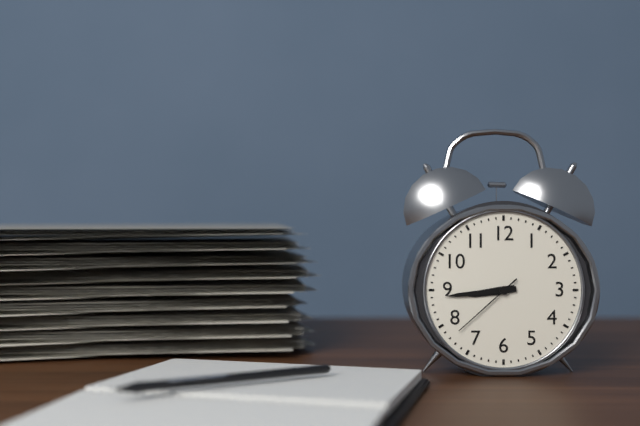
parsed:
8:44:38
